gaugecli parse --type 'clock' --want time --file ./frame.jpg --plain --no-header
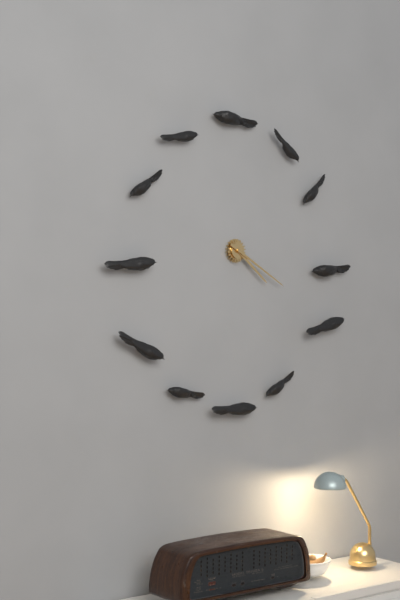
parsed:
4:20
